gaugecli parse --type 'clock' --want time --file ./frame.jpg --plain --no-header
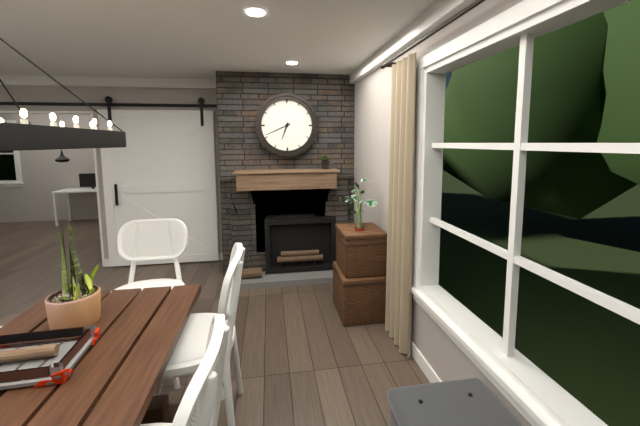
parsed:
6:41
